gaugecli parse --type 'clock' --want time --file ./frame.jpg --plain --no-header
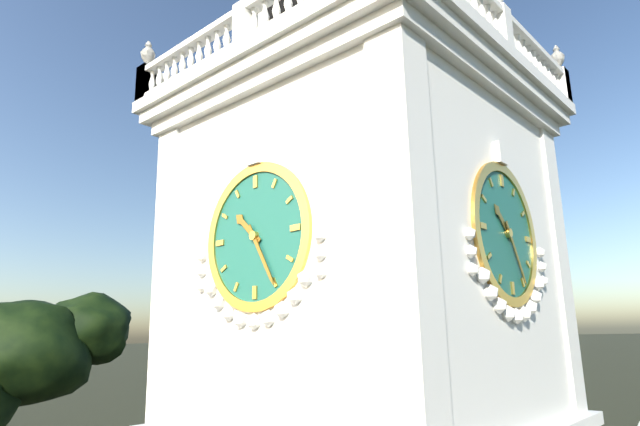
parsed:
10:25
